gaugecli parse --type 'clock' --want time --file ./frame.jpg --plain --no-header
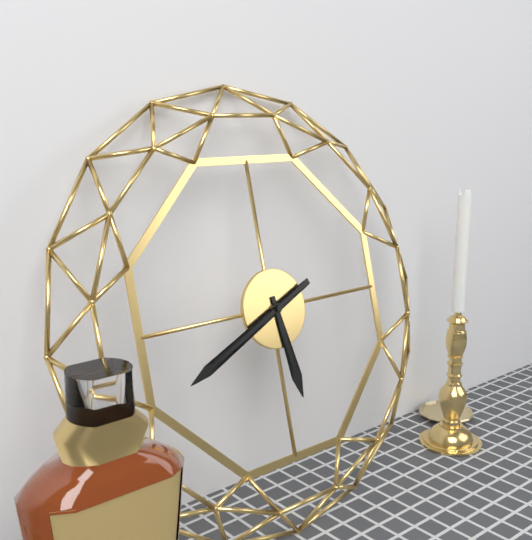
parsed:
5:41
